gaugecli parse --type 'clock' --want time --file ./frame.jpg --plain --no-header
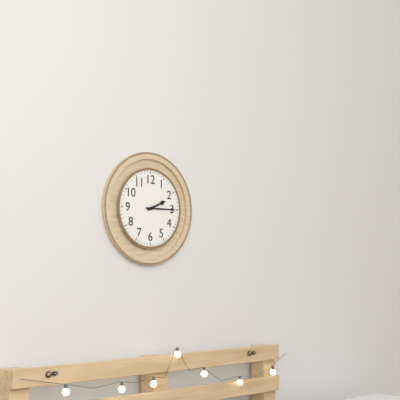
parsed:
2:15
